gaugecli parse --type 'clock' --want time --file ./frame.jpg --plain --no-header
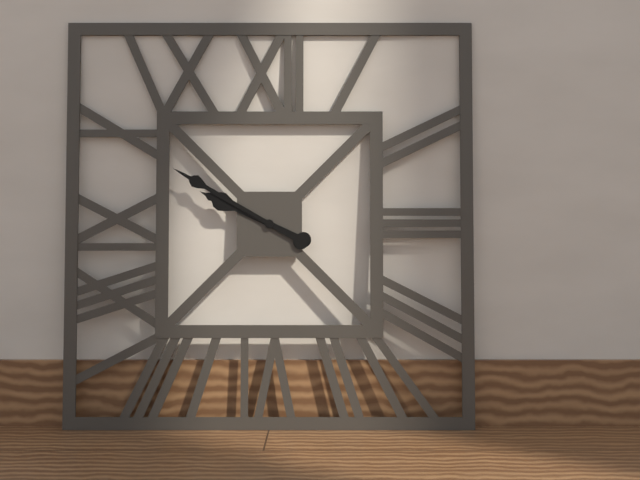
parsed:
9:50
